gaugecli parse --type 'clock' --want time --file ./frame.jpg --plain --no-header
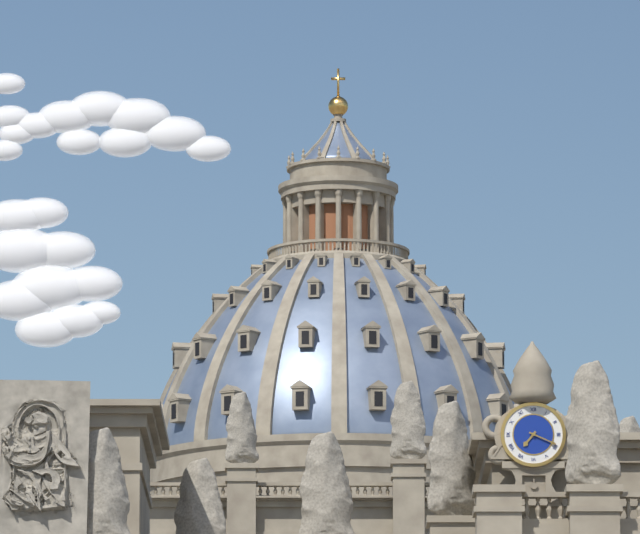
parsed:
7:19
